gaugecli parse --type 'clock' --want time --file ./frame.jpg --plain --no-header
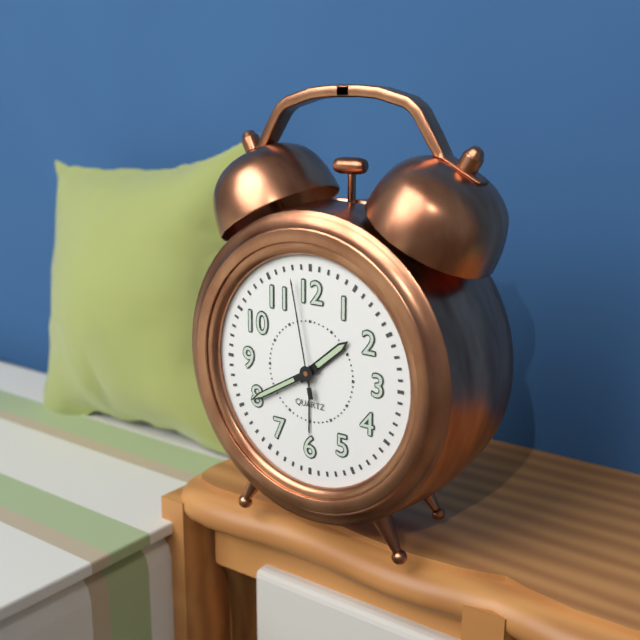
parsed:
1:40:58
